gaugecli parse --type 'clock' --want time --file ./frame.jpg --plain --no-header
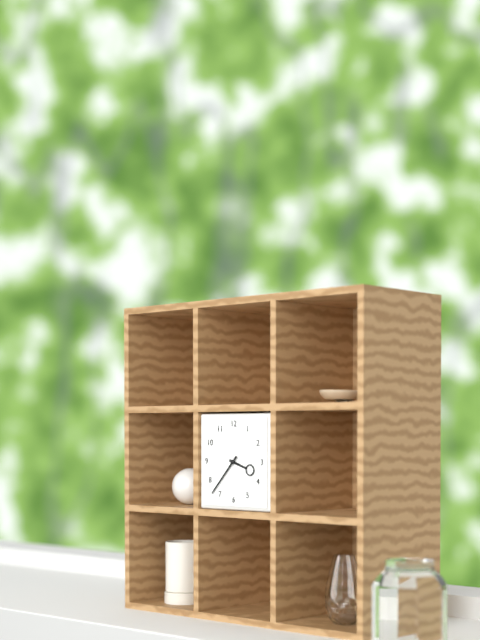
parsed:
3:37
